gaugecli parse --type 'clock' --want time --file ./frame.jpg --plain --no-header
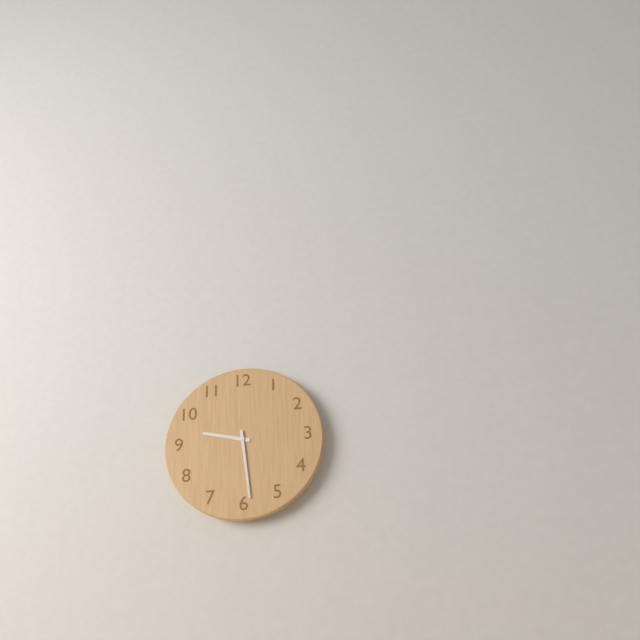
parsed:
9:29
